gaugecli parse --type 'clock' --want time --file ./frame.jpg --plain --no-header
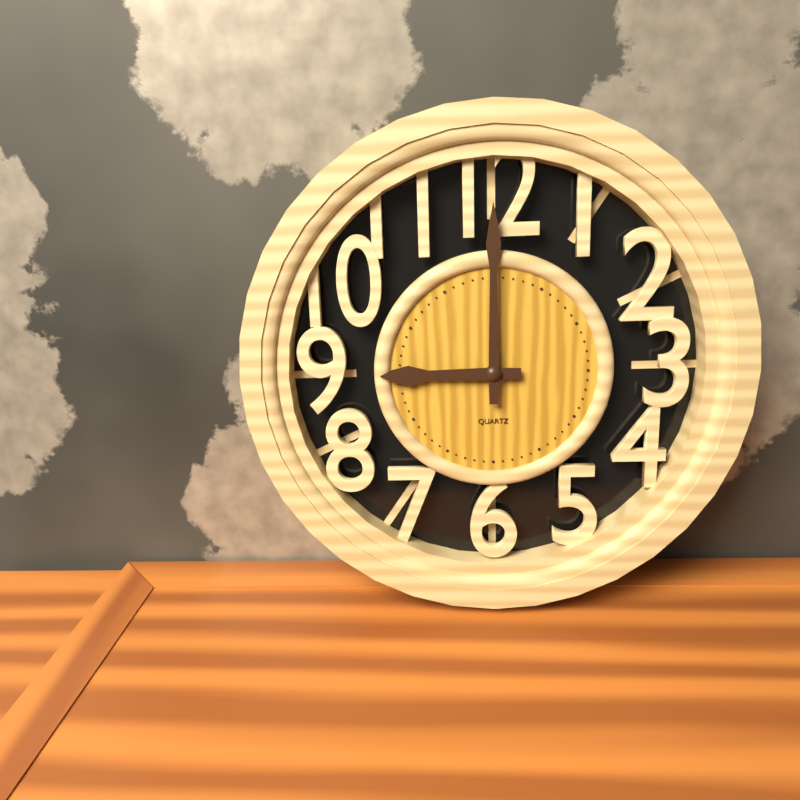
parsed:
9:00
